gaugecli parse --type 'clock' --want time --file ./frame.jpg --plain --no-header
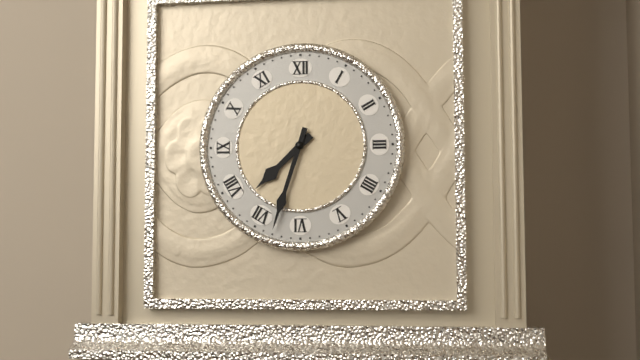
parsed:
7:33
